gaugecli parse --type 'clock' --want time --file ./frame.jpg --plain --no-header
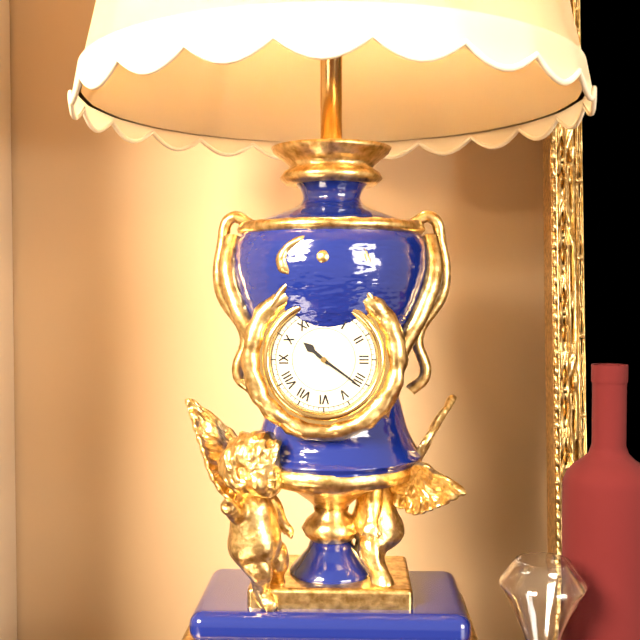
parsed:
10:21
